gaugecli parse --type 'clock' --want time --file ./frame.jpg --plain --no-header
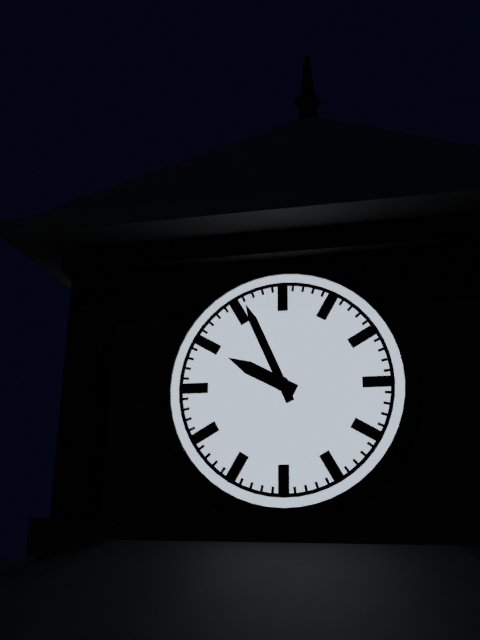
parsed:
9:56
